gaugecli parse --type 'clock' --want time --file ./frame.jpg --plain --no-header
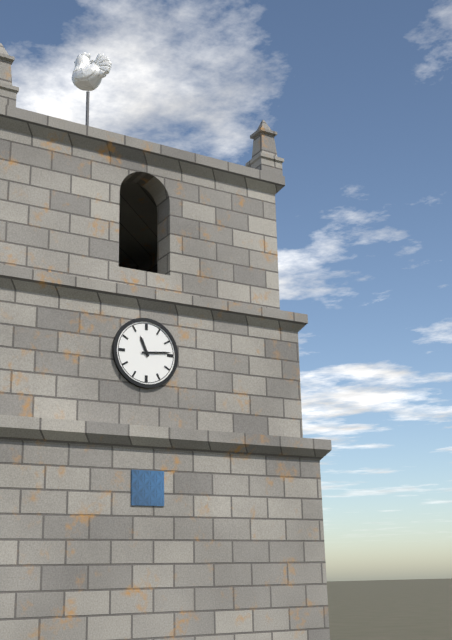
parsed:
11:14
